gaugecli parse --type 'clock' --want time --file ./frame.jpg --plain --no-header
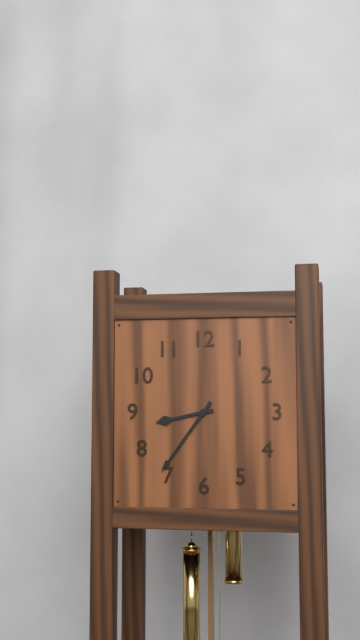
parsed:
8:36
